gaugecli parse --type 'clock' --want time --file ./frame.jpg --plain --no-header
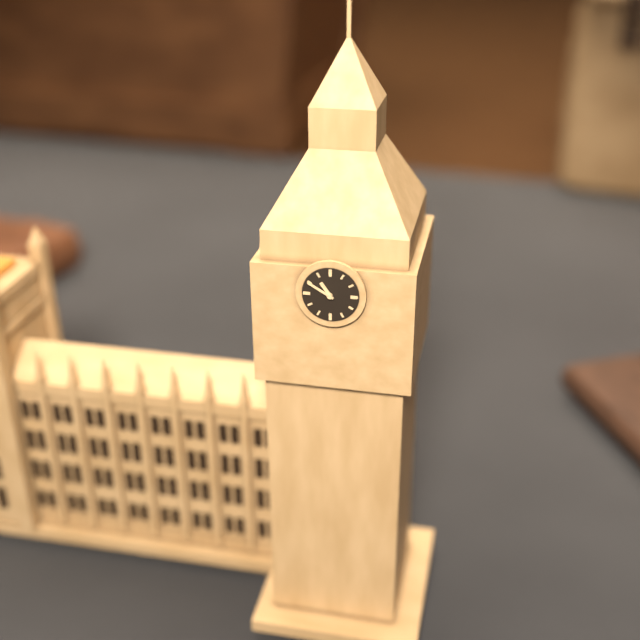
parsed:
10:50
